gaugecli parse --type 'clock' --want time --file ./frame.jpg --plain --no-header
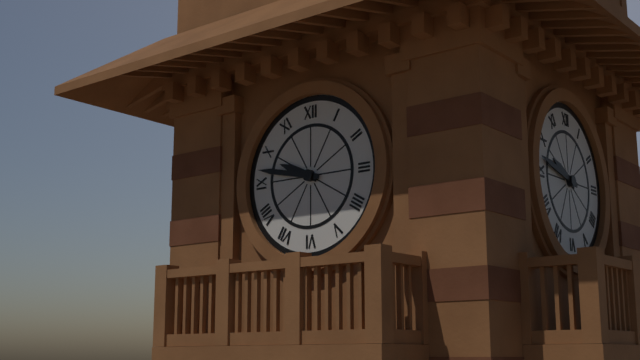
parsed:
9:47
